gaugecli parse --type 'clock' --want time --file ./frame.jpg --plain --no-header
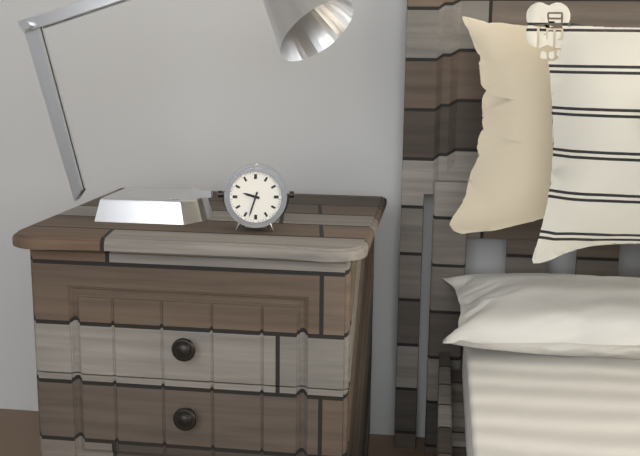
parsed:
9:33
